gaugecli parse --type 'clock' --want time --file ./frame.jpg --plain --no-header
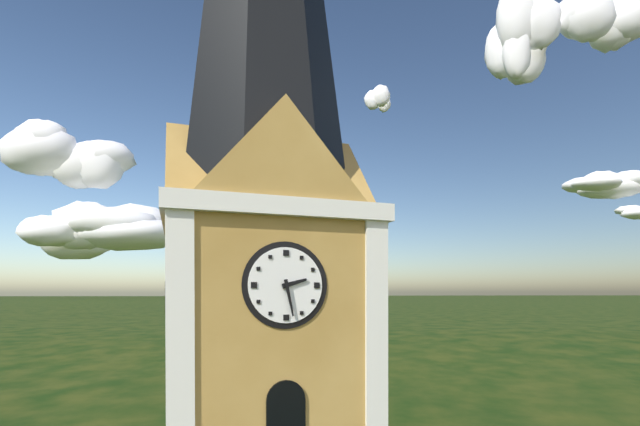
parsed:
2:28
